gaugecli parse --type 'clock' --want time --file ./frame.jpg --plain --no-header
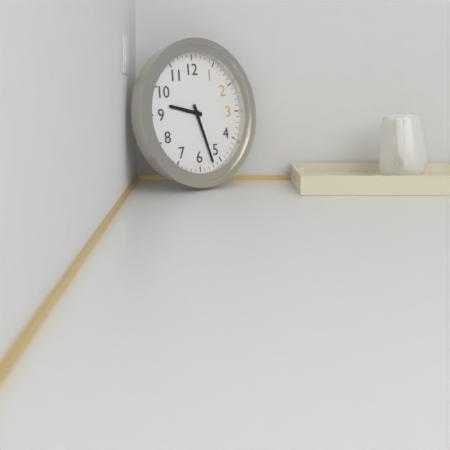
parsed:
9:27
